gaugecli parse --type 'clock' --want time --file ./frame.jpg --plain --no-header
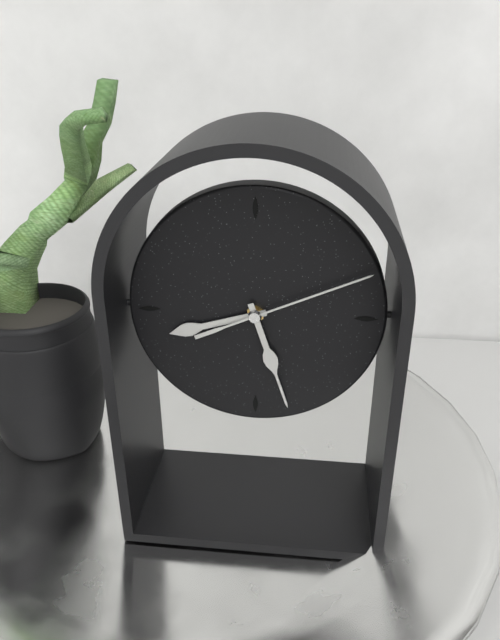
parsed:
8:27:11
